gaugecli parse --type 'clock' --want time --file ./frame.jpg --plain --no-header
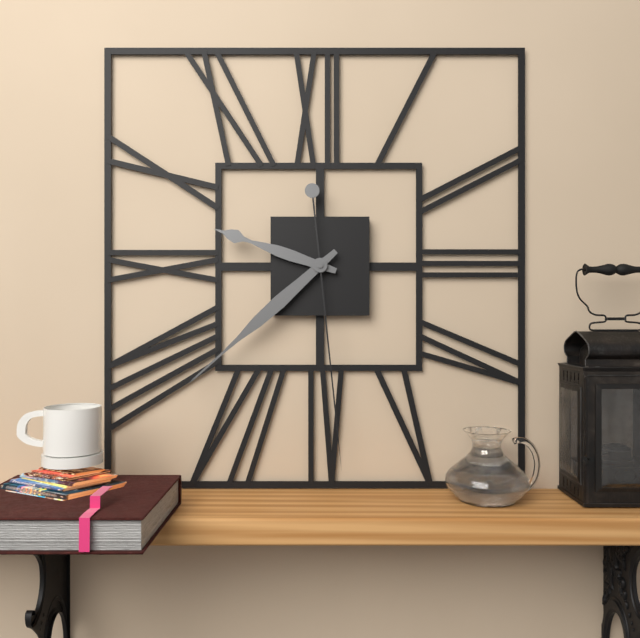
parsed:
9:38:29
